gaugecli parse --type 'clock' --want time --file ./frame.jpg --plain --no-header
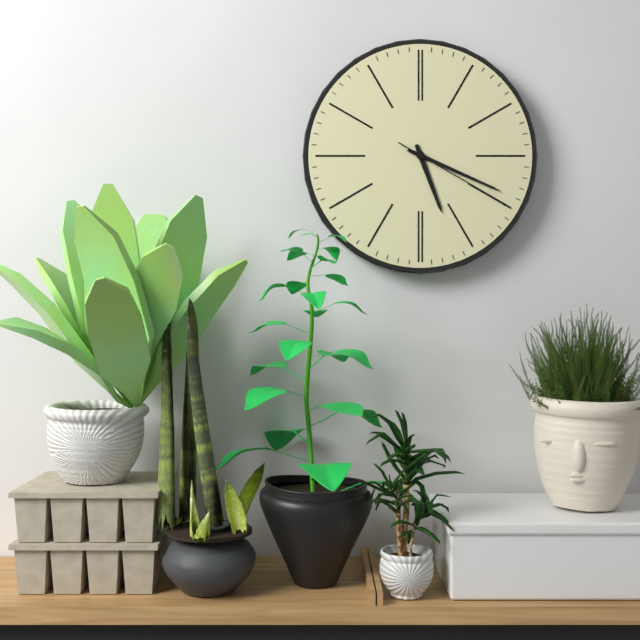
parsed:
5:19:20
